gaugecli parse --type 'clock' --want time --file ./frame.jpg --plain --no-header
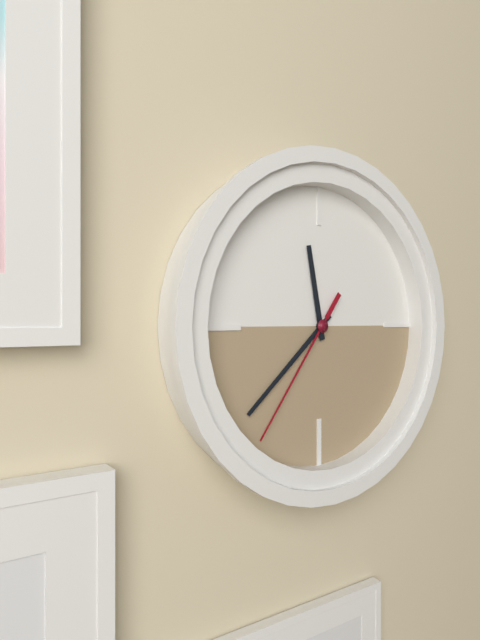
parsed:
11:38:36
